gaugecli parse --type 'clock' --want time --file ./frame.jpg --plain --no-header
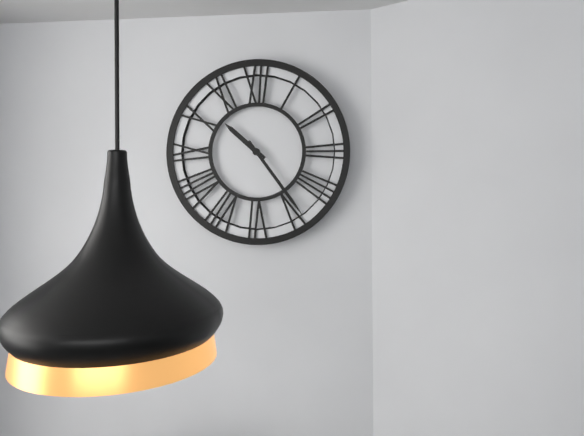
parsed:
10:24
